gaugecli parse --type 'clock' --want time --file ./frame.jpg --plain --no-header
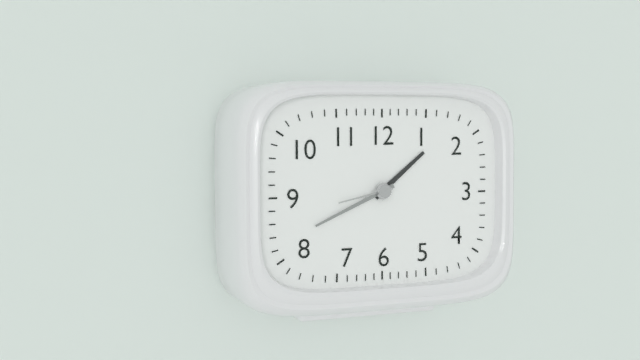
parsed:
1:41:43
